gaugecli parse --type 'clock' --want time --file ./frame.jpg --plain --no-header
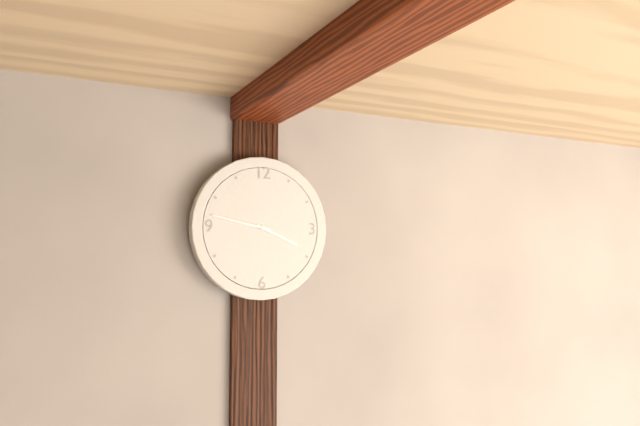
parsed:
3:47
